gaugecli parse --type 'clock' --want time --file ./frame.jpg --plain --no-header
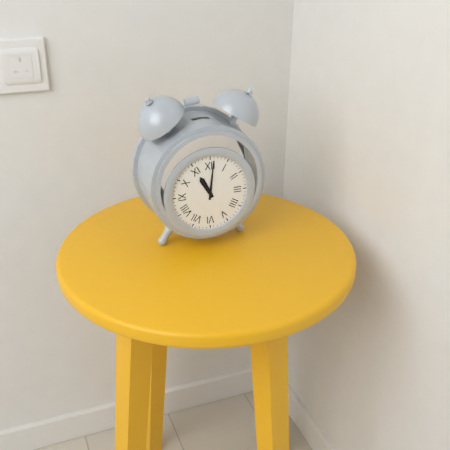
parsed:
11:01
